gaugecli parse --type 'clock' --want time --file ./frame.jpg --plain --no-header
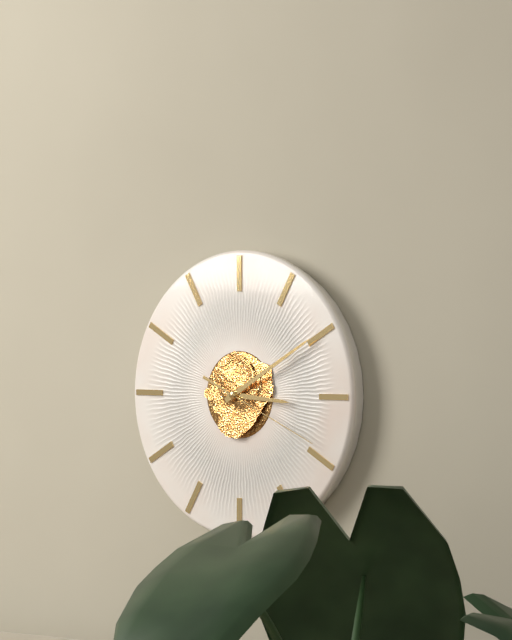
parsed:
3:10:19
